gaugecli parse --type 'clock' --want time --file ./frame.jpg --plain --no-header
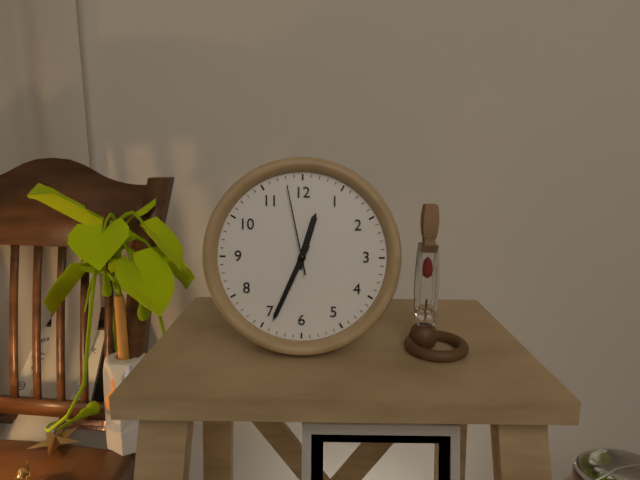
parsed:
12:34:58
